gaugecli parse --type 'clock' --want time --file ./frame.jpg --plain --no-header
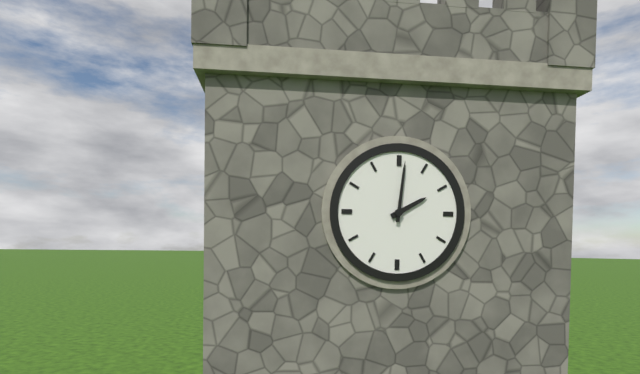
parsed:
2:01
